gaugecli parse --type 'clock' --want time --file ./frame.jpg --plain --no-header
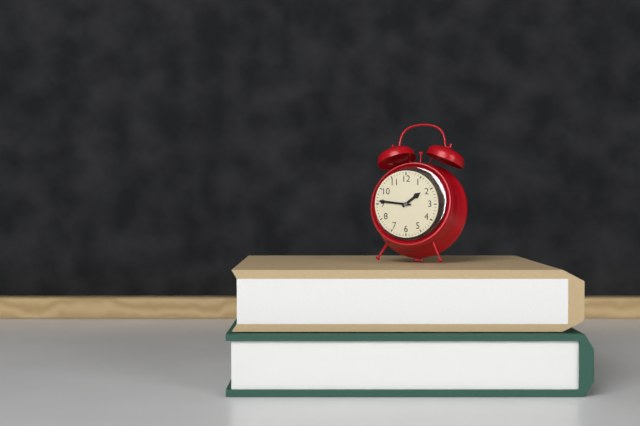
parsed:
1:46
